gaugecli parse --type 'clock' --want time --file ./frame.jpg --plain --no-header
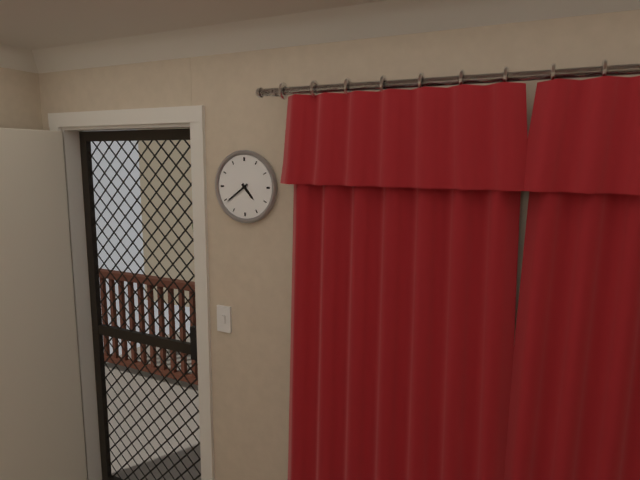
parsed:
4:39
